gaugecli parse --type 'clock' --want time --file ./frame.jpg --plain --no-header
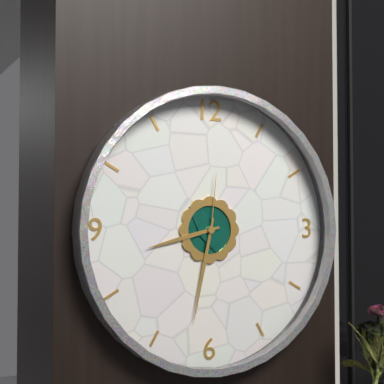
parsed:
8:32:01
